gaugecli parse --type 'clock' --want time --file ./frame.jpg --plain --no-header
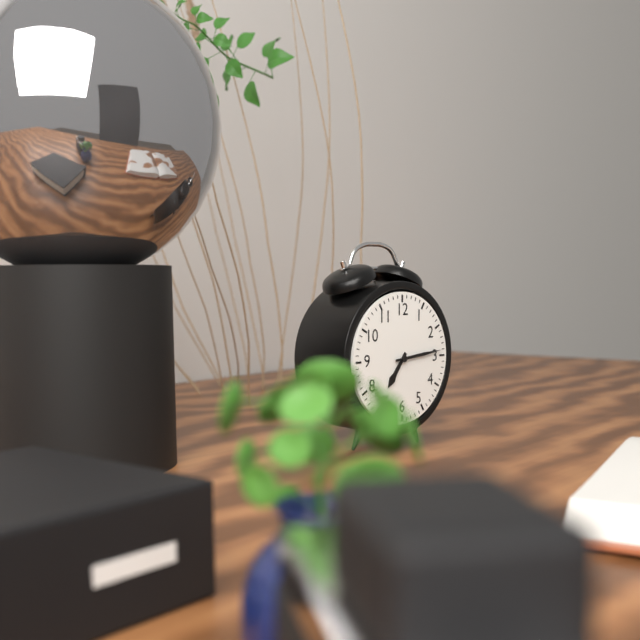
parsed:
7:14
